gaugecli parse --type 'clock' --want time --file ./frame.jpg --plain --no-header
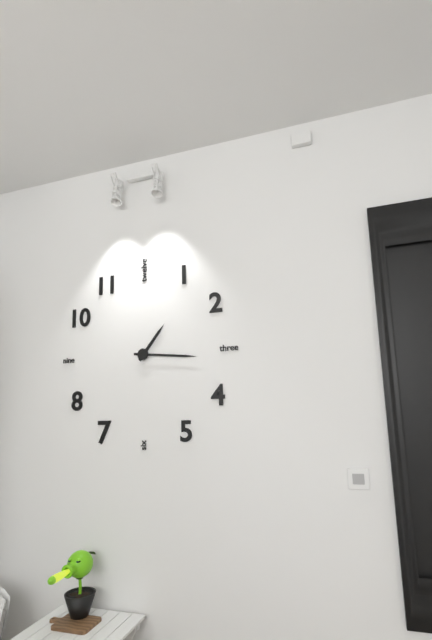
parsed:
1:16
